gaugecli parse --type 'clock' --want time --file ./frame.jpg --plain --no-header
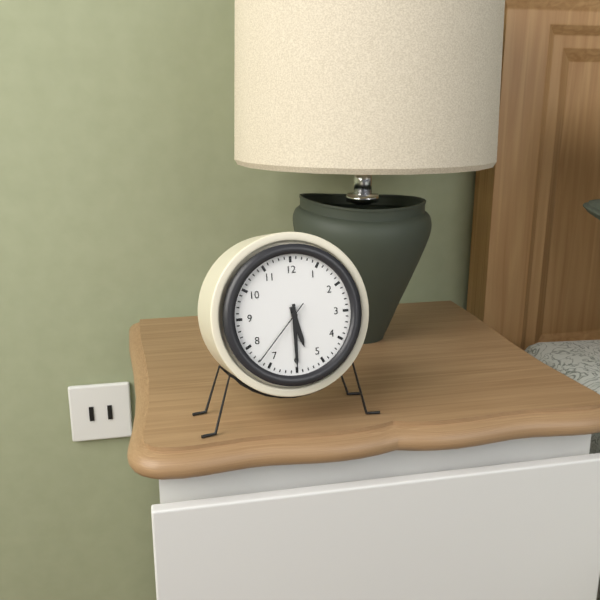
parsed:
5:30:37
